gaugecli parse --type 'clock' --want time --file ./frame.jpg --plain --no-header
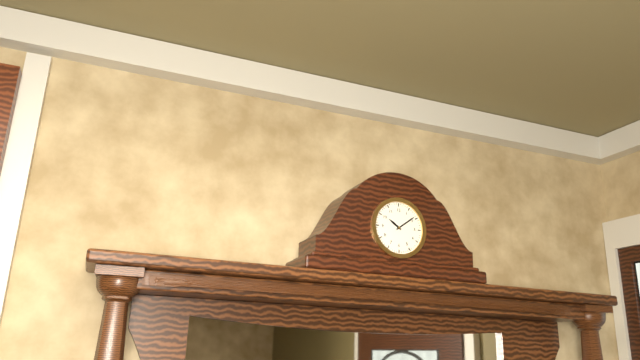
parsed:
10:09
